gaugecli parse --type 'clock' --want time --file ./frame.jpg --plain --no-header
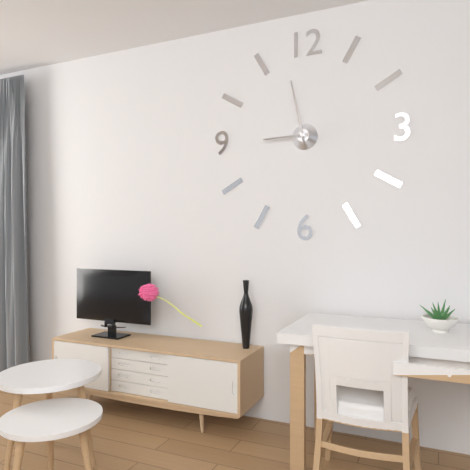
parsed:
8:58
